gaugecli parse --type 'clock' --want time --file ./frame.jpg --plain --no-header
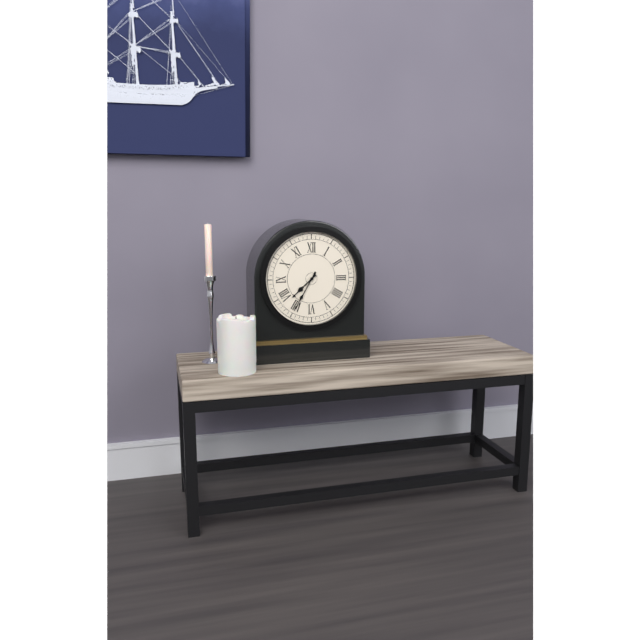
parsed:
7:35
